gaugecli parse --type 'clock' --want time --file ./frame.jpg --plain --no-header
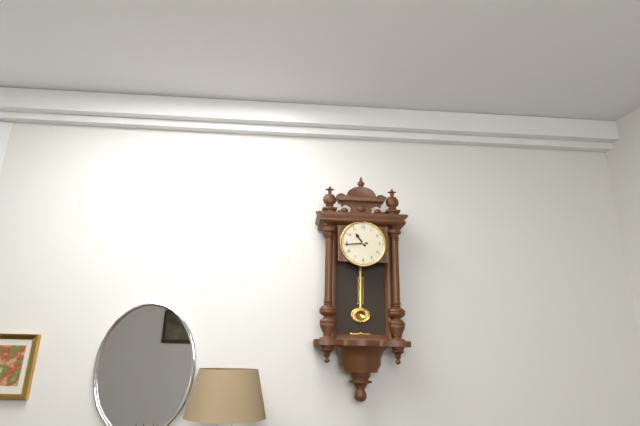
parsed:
10:44
